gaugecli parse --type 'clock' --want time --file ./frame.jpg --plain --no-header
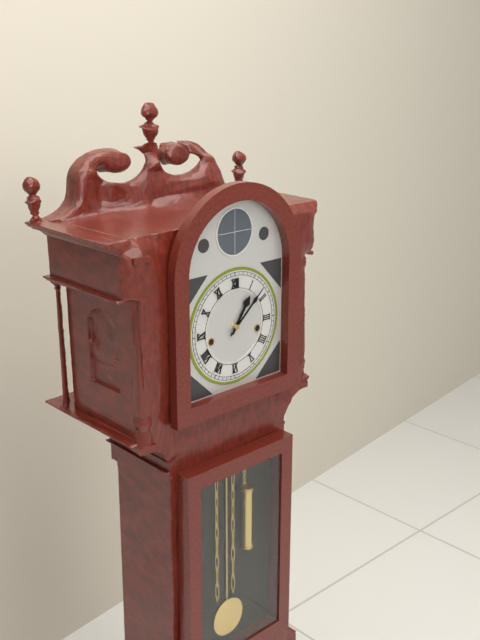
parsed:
1:08
